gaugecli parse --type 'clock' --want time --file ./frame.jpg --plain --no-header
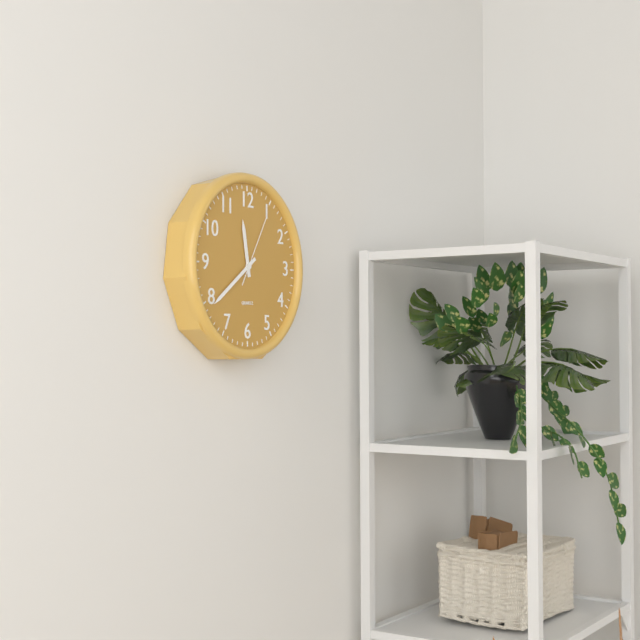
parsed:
11:39:05
